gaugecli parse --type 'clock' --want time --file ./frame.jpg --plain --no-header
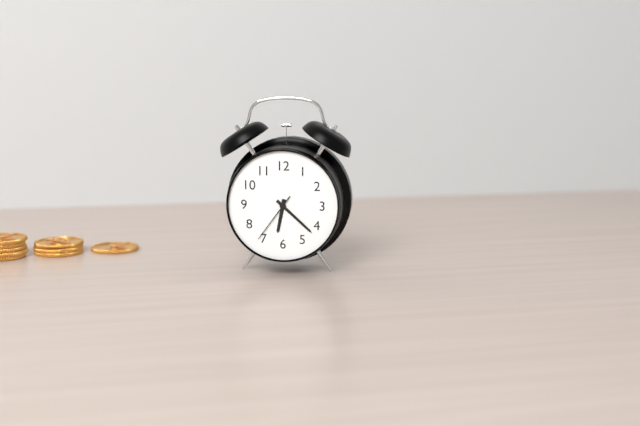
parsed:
6:22:36
